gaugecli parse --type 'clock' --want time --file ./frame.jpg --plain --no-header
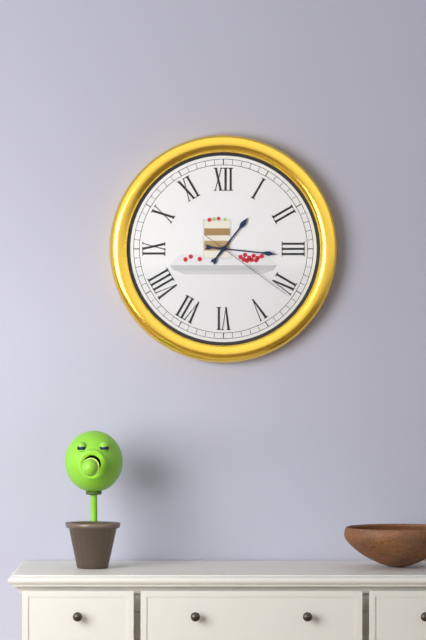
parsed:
1:16:21
